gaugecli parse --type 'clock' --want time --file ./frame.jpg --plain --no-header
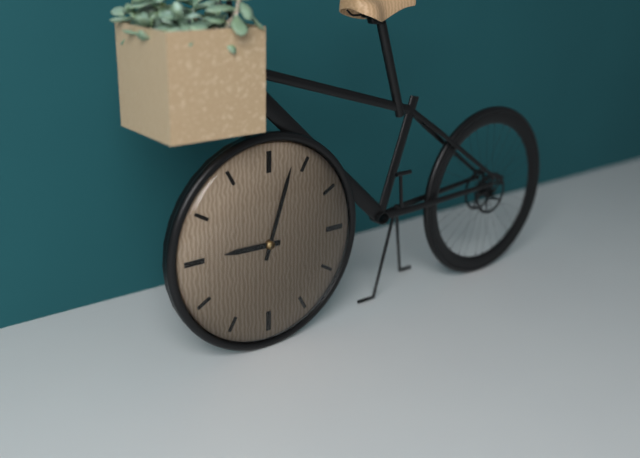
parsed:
9:03
